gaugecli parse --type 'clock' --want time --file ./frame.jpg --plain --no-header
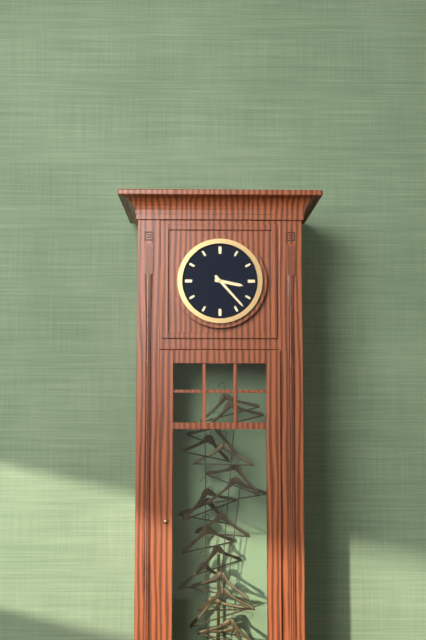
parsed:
3:23
